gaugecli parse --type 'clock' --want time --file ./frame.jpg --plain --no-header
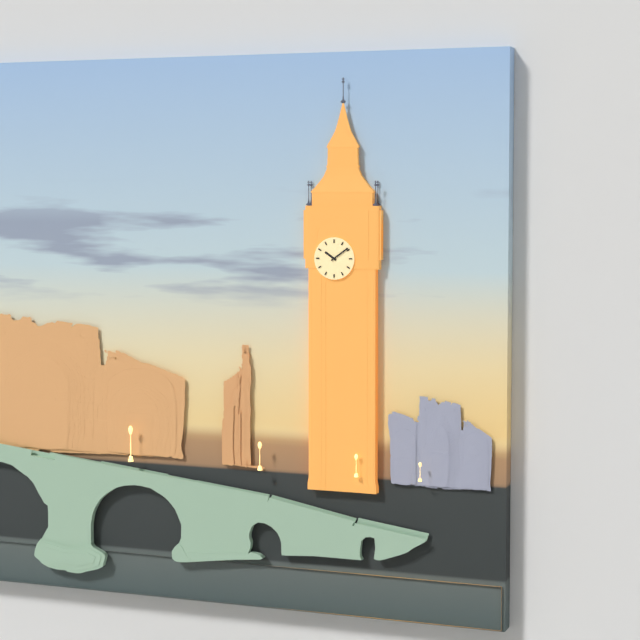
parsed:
10:09
